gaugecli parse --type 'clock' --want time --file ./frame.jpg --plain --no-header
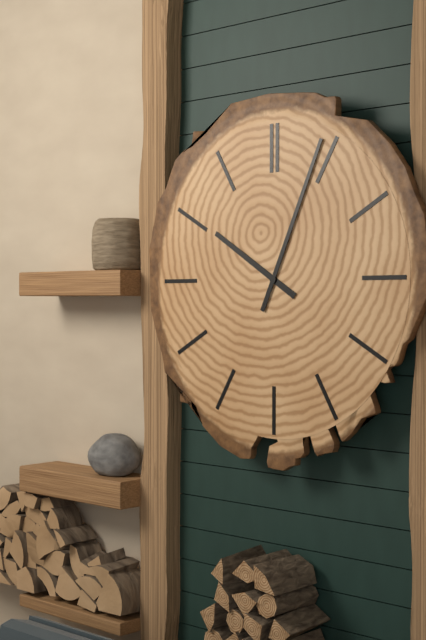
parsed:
10:04
